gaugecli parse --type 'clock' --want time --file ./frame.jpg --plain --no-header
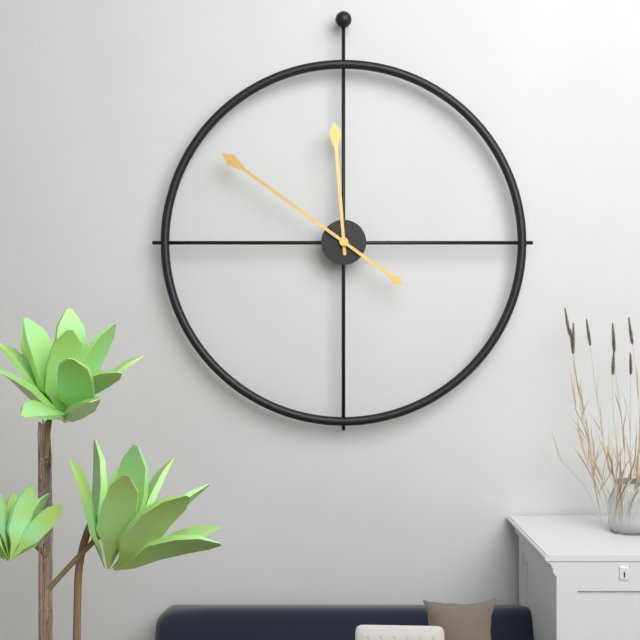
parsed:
11:51
